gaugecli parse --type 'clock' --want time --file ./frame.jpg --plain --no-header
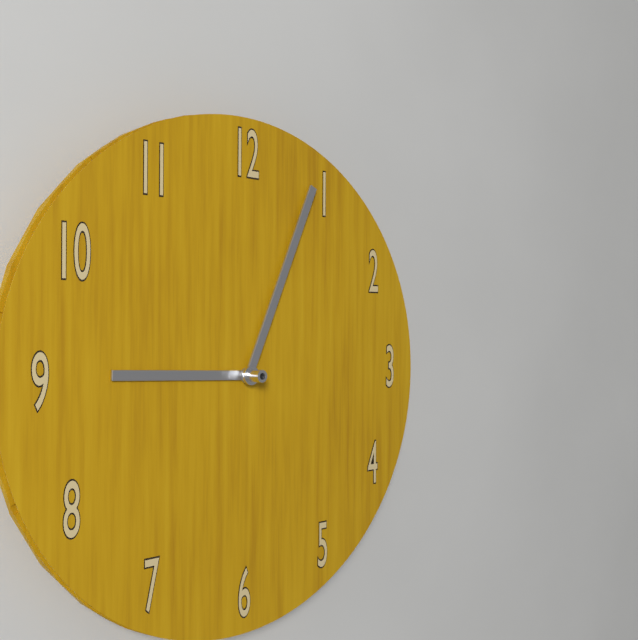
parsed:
9:04
